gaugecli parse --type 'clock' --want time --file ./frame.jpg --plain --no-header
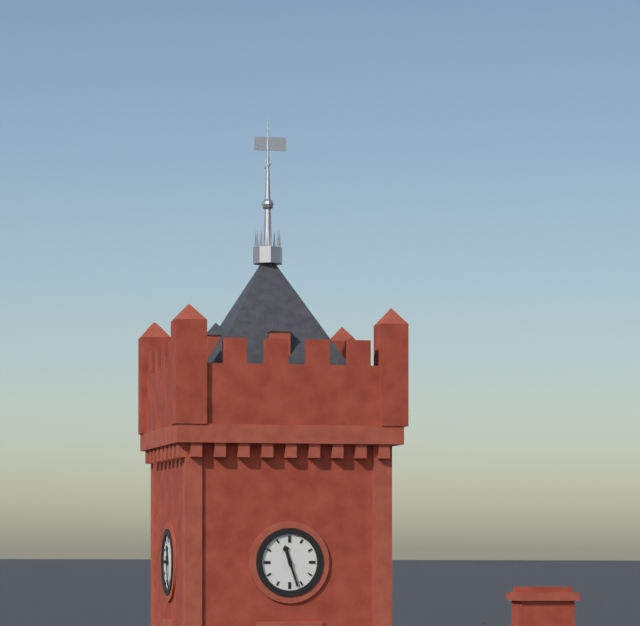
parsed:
11:27
